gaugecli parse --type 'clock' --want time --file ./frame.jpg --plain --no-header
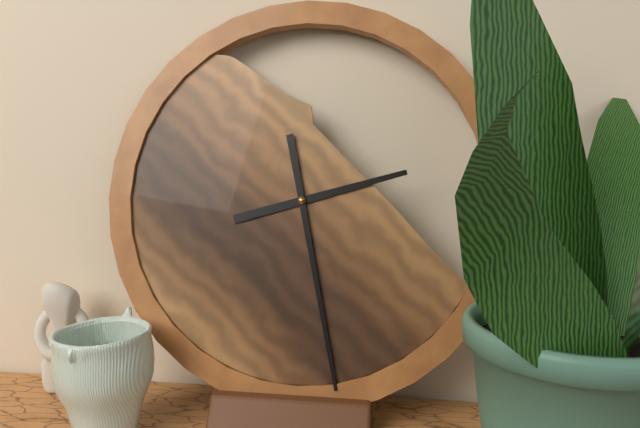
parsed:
2:28
